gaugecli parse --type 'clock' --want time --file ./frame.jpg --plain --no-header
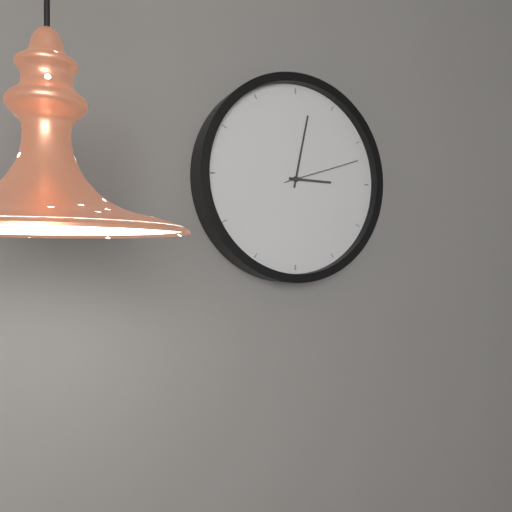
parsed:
3:02:12
